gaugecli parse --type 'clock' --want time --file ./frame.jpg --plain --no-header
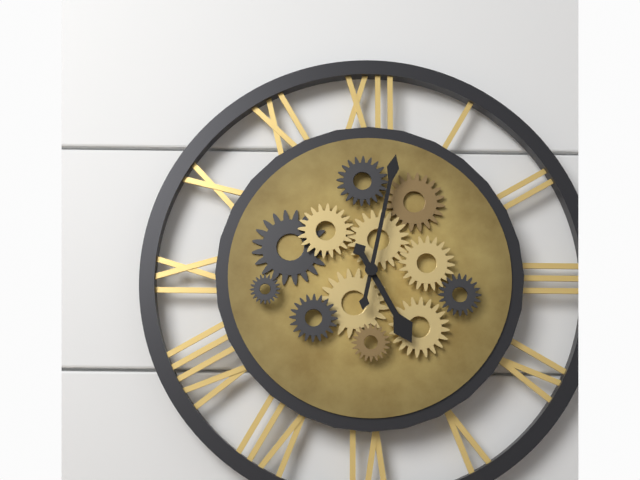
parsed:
5:02
